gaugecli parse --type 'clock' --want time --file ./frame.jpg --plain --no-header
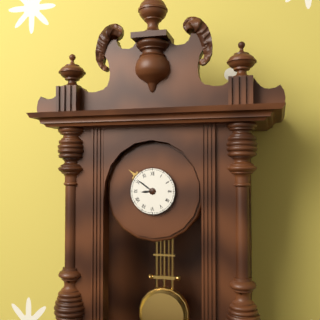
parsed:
8:51
